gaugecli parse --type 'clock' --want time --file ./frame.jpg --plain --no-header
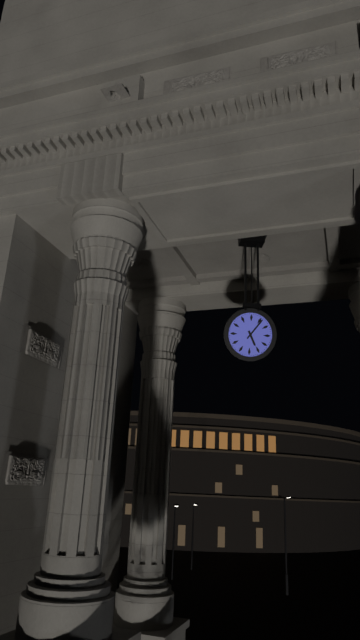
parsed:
5:06
